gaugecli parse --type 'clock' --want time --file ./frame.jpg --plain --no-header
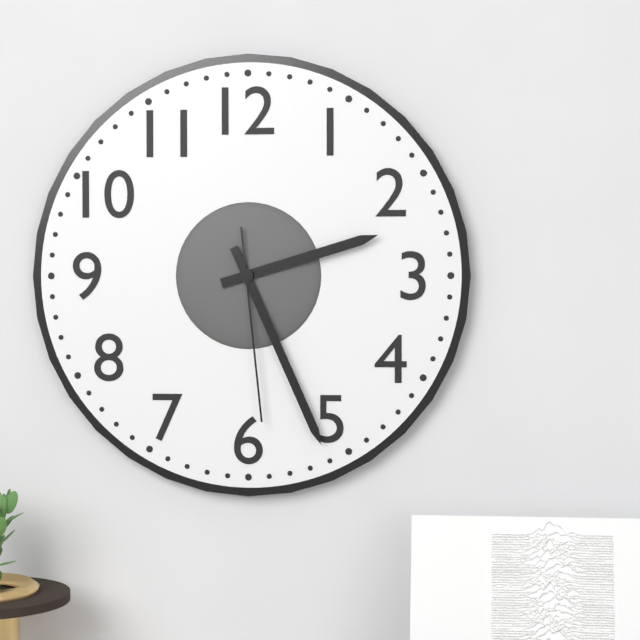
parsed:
2:26:29
